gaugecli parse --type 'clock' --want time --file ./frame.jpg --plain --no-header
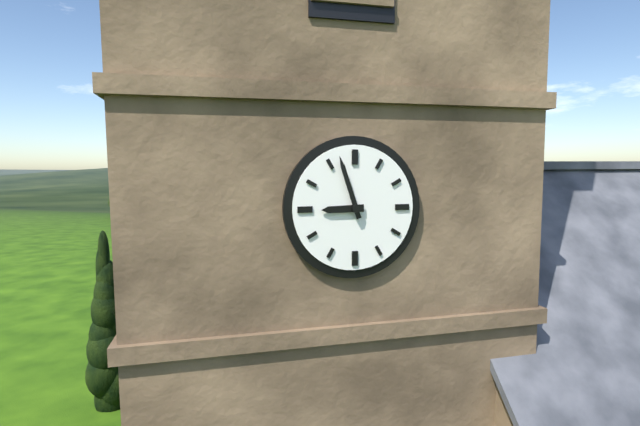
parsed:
8:57
